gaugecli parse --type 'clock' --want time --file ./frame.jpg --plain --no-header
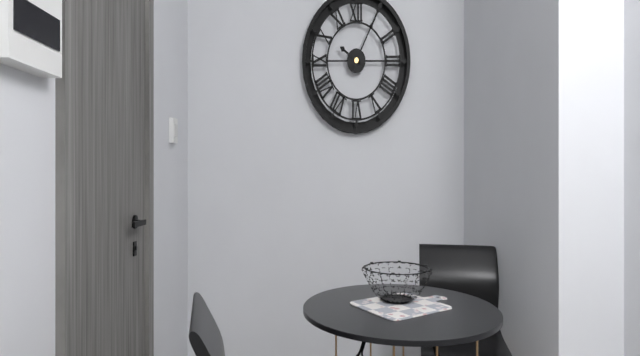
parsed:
10:05
